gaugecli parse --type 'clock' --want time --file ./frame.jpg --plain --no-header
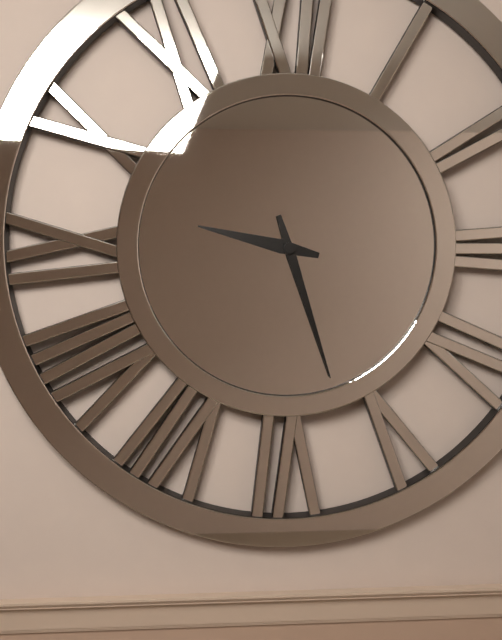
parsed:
9:27
